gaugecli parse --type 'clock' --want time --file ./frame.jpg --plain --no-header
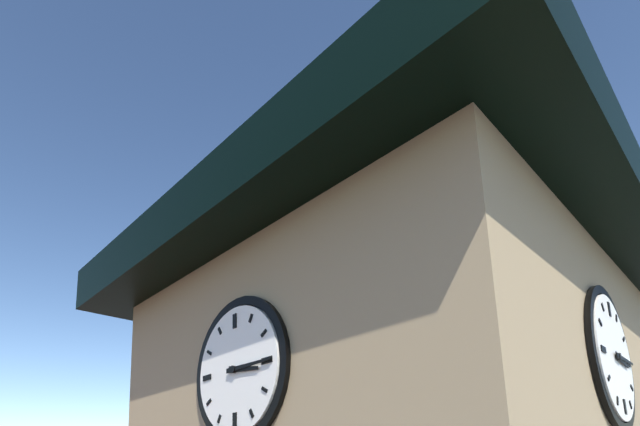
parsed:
3:15
